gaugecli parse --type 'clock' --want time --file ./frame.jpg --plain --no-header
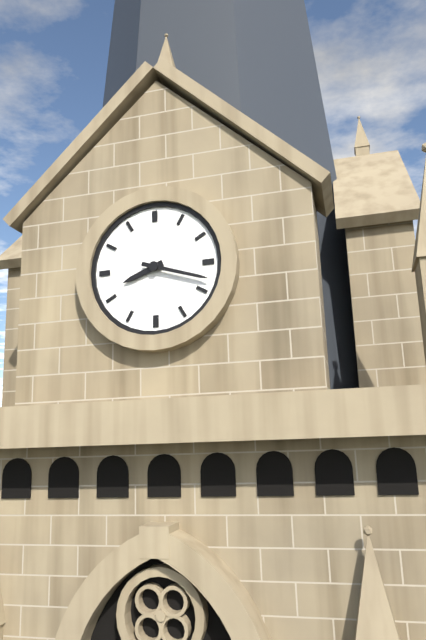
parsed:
8:18
